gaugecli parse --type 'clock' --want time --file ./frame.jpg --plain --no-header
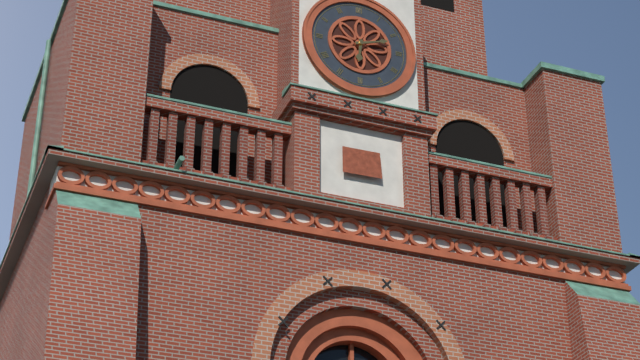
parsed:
6:12
